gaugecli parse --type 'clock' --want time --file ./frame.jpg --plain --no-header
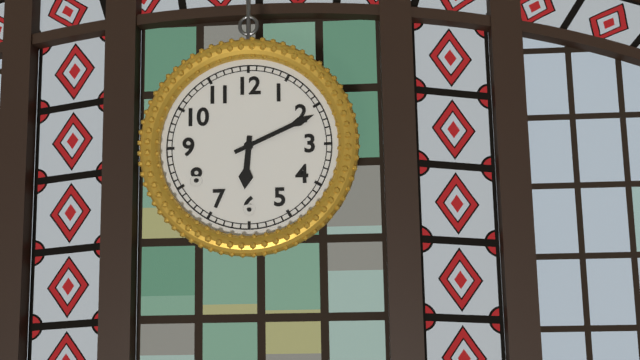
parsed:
6:11
